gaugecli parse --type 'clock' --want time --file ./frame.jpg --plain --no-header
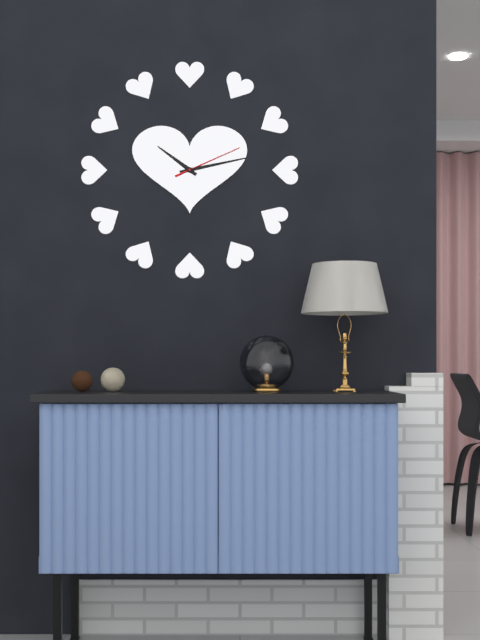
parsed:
10:13:11
